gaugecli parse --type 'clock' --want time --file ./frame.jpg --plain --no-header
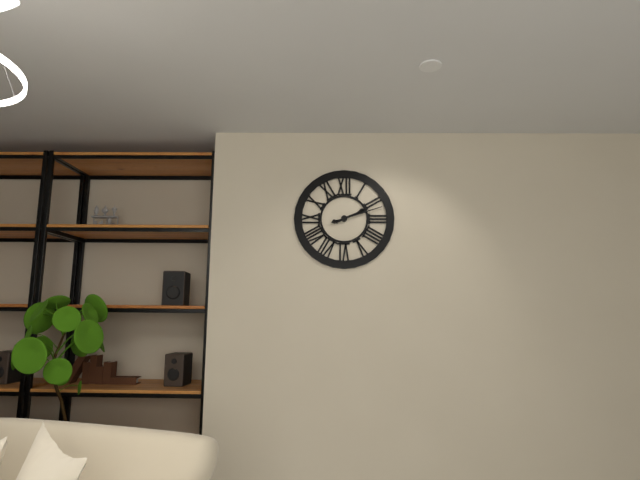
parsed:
2:12
